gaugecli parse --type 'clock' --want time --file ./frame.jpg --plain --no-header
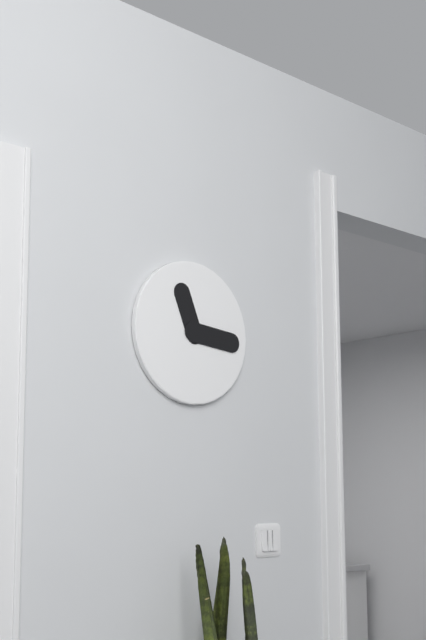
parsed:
11:16
